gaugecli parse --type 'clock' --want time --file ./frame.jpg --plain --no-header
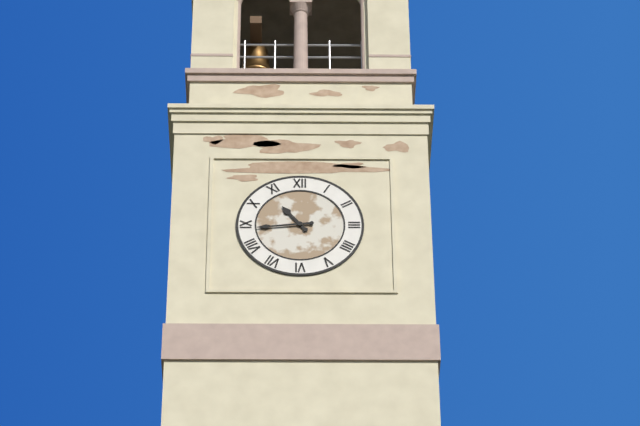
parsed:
10:44
